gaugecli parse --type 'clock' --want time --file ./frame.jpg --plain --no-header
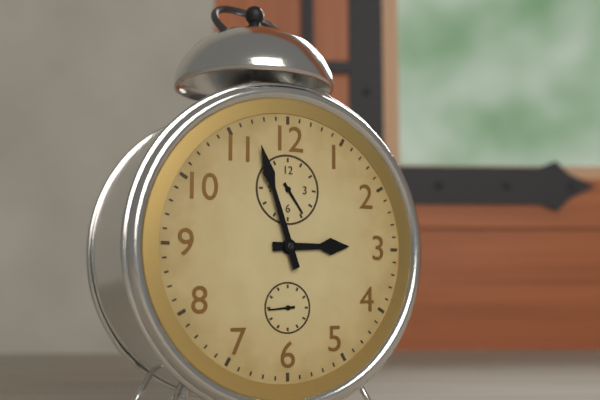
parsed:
2:57
